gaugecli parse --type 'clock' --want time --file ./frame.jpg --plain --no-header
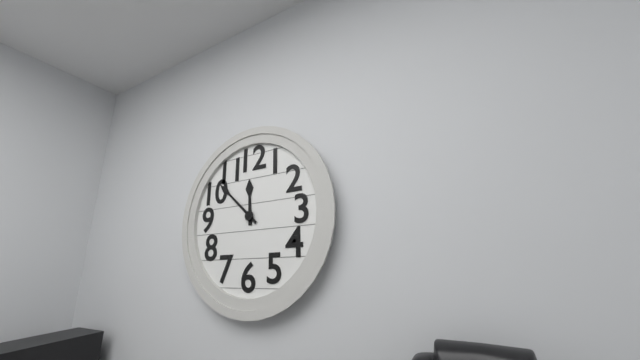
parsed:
11:52
